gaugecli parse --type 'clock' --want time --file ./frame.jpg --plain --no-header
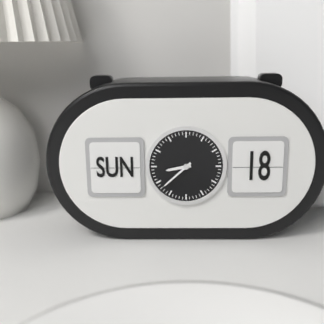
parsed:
8:38
